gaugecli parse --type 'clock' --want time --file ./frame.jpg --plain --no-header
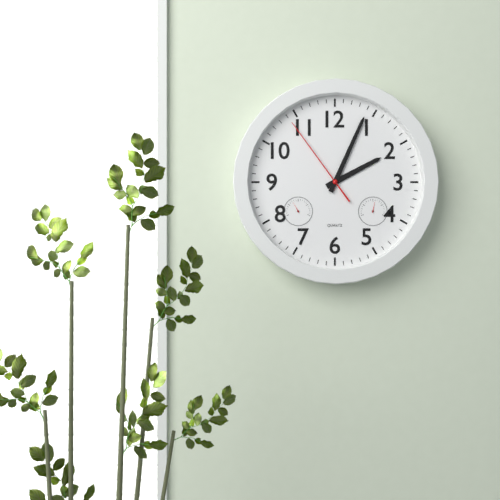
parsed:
2:04:54
